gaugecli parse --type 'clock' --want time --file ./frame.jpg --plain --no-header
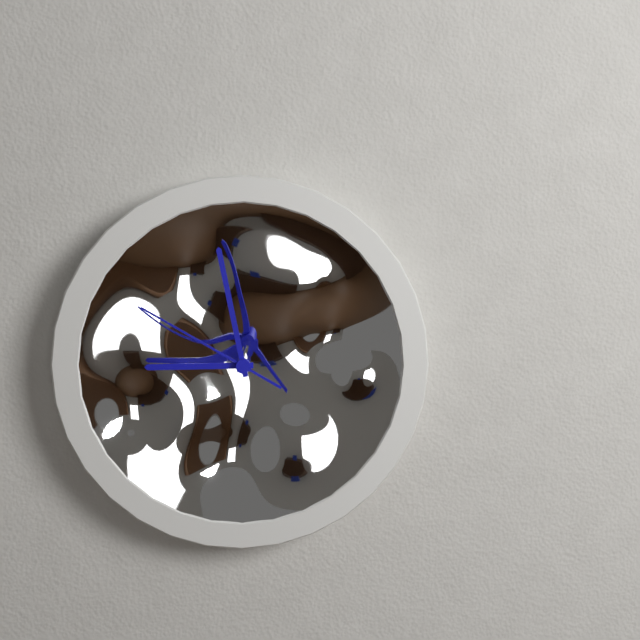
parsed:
8:58:50
